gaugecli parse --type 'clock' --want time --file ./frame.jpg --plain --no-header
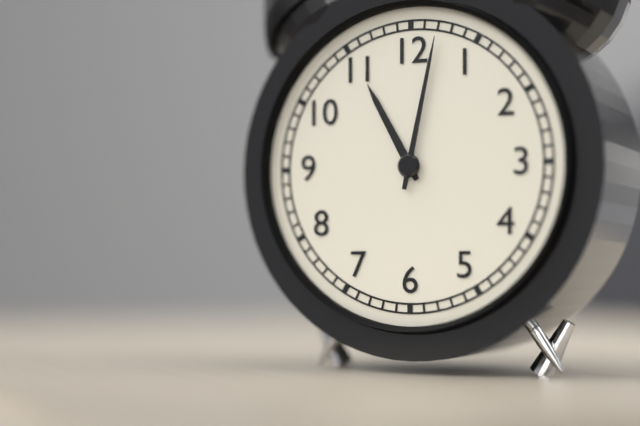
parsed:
11:02
